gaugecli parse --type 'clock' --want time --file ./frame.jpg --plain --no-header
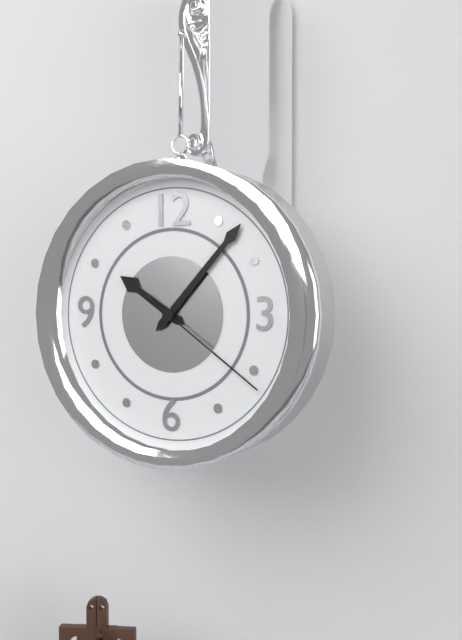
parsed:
10:07:21
